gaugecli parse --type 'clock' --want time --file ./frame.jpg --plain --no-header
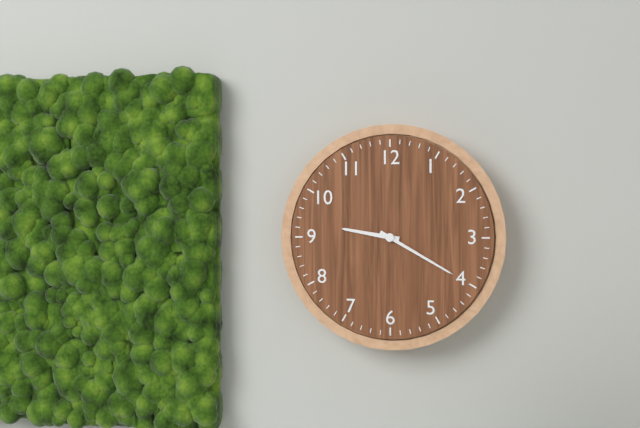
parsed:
9:20
